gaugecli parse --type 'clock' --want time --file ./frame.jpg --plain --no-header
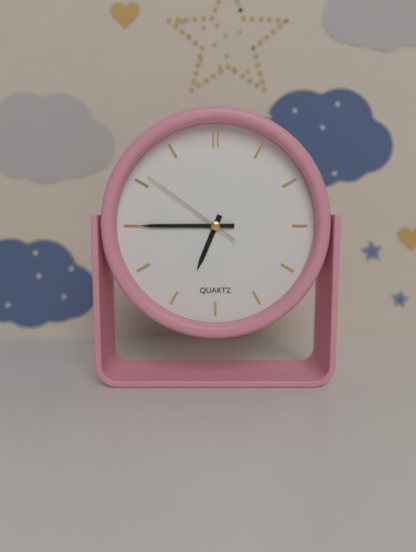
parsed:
6:45:51
